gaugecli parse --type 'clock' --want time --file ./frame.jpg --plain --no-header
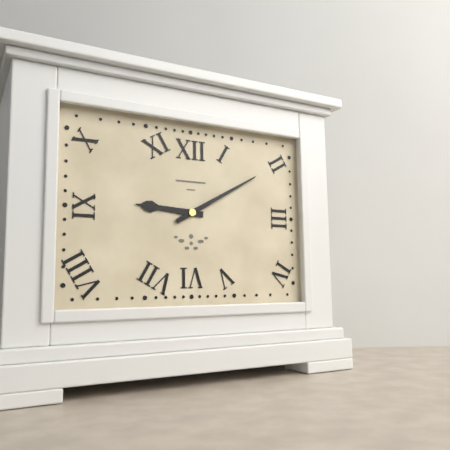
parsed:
9:10
